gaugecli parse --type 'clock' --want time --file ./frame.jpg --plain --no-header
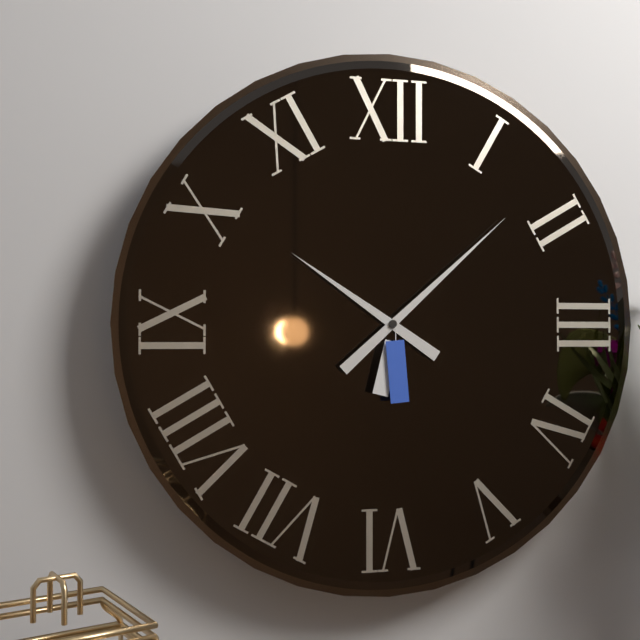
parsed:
10:08
